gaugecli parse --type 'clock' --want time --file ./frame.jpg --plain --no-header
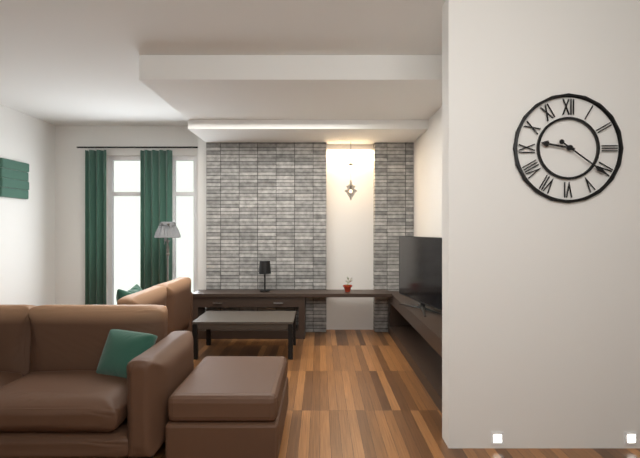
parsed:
9:21
